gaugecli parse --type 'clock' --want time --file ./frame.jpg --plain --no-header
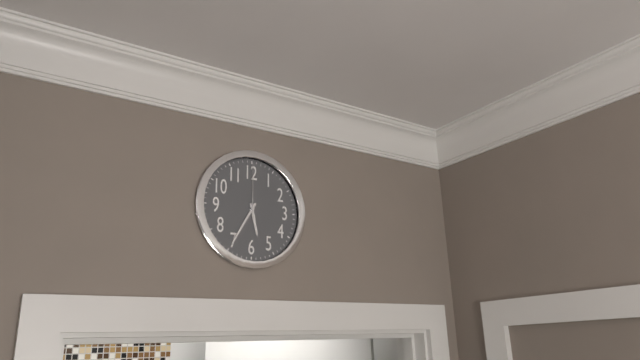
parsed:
5:35:00
